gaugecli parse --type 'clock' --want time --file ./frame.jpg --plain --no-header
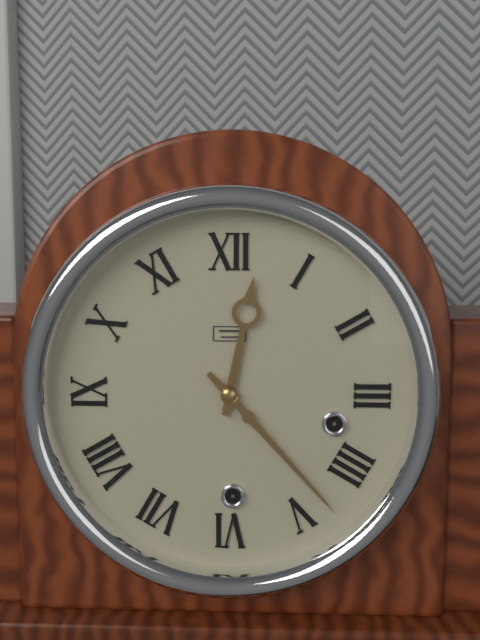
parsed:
12:23
